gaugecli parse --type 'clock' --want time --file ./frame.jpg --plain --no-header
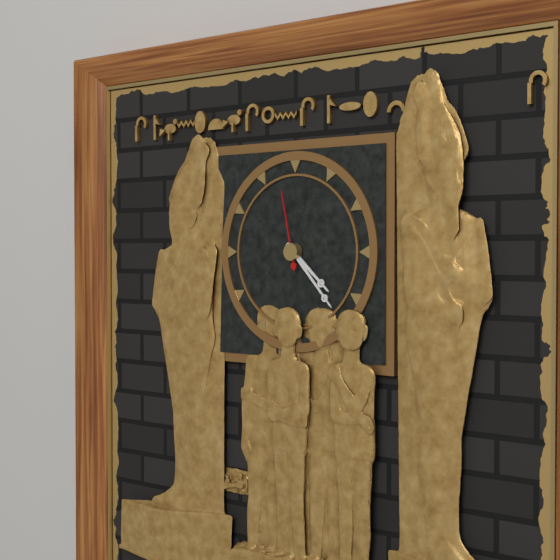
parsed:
4:23:58
